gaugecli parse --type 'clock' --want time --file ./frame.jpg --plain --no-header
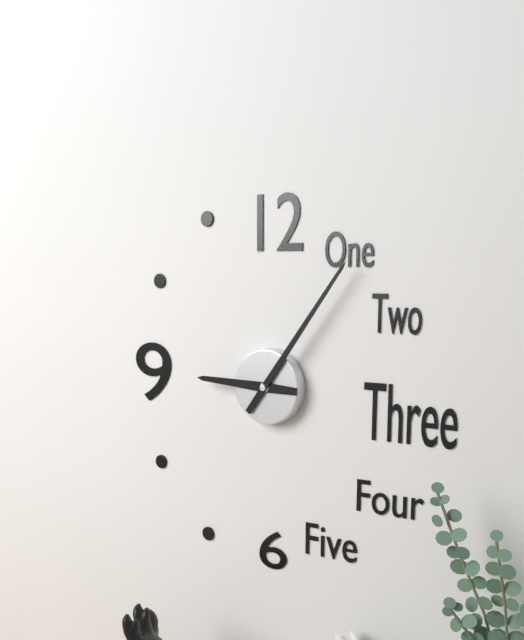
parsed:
9:06
